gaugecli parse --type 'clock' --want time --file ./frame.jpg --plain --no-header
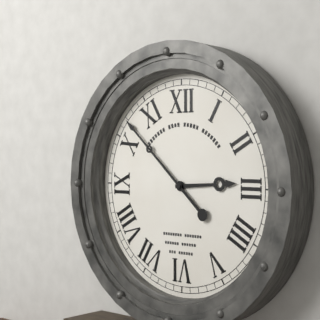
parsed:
2:52
